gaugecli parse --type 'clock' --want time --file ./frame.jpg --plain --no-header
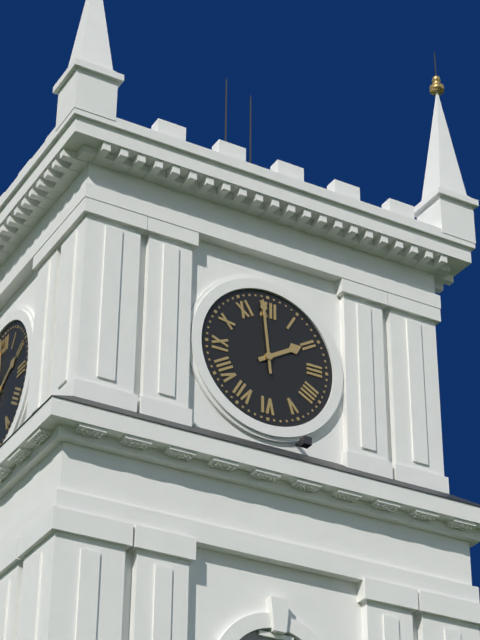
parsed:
1:59
